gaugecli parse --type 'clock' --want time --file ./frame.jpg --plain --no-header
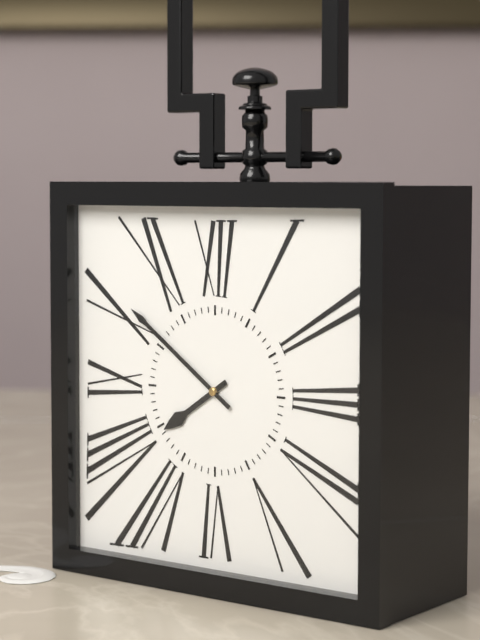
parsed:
7:51
